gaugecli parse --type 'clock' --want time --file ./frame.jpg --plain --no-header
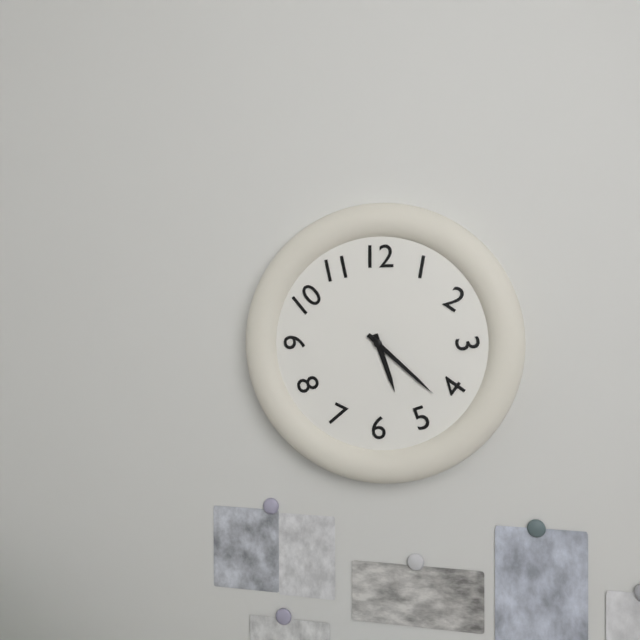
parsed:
5:22
